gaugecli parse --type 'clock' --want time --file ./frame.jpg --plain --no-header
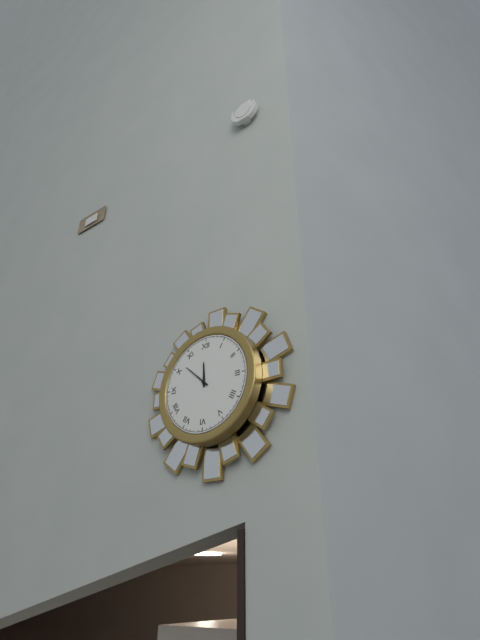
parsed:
11:52
